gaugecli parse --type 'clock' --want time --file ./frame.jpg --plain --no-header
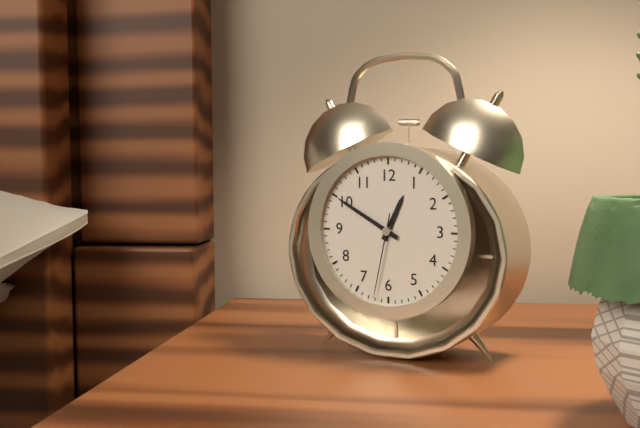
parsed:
12:50:32
